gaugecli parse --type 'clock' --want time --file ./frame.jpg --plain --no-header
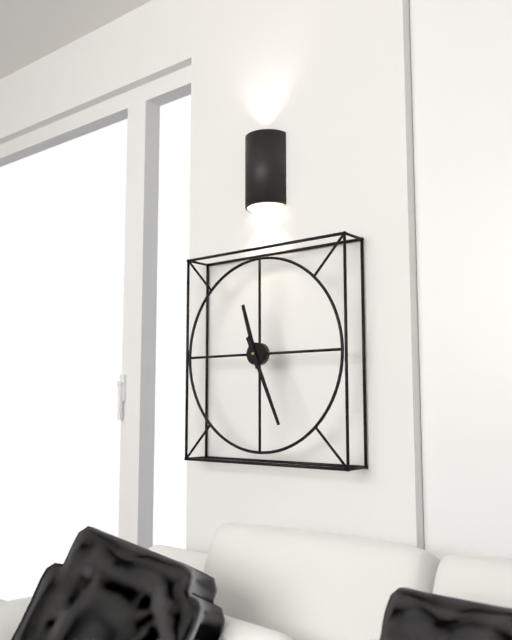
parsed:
11:26
